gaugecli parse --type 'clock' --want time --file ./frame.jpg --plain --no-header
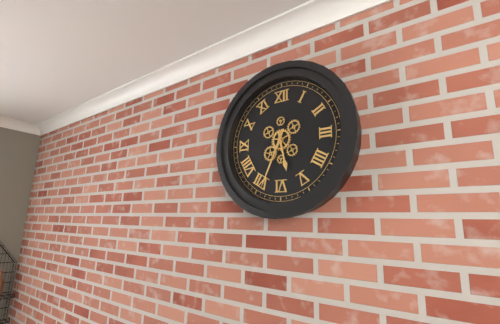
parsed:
5:34
